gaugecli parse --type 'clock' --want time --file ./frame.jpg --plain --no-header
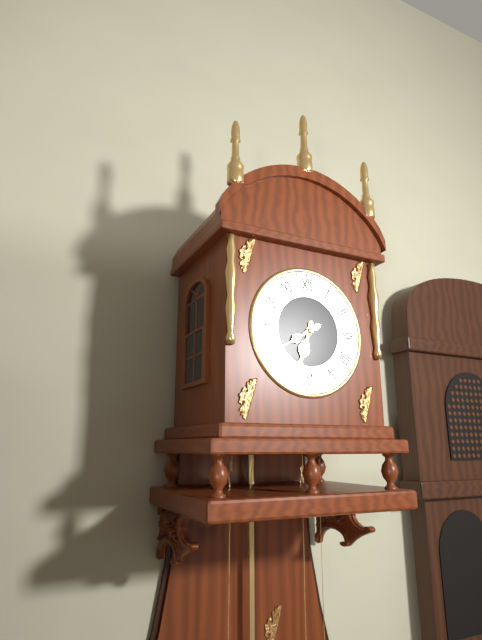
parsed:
6:40
